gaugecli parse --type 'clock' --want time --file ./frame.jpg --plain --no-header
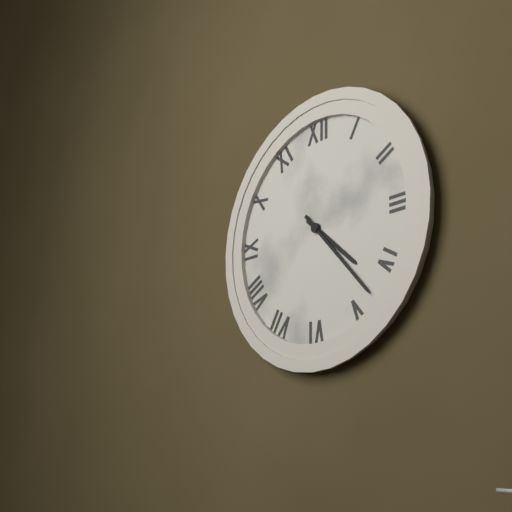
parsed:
4:23
